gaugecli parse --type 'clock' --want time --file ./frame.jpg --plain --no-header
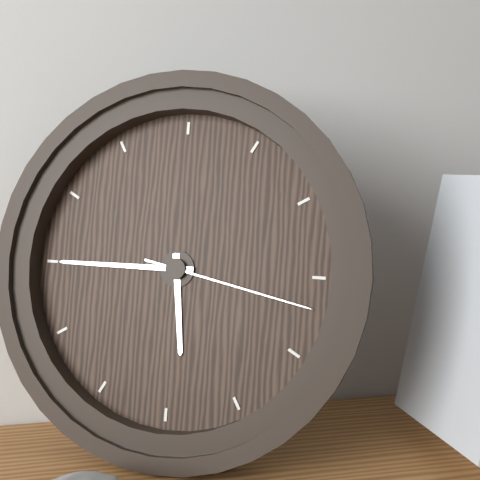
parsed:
5:45:17
